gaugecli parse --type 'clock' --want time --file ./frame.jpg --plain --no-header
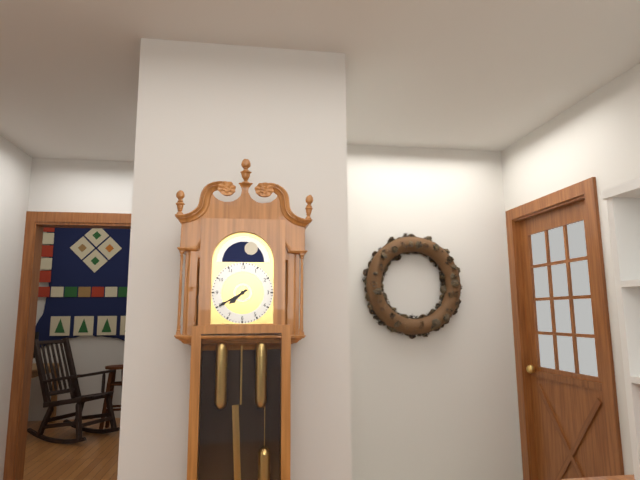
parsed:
7:40
